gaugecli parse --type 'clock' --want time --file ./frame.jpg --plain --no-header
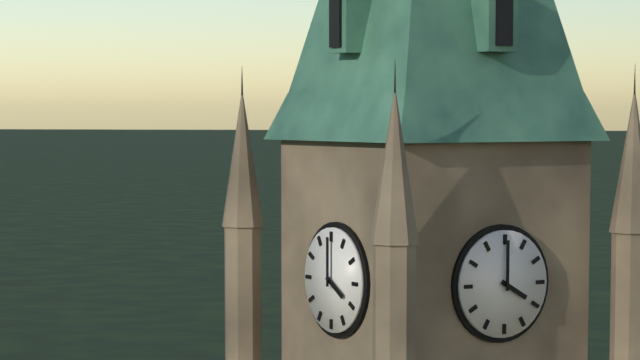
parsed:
4:00
